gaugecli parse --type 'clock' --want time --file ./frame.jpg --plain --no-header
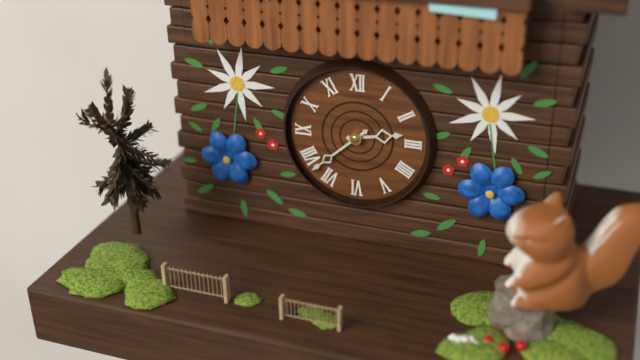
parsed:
2:38
